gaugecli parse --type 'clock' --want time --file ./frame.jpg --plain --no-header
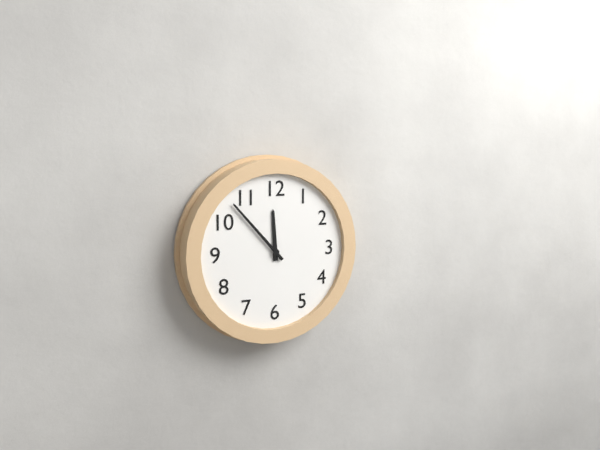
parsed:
11:53
